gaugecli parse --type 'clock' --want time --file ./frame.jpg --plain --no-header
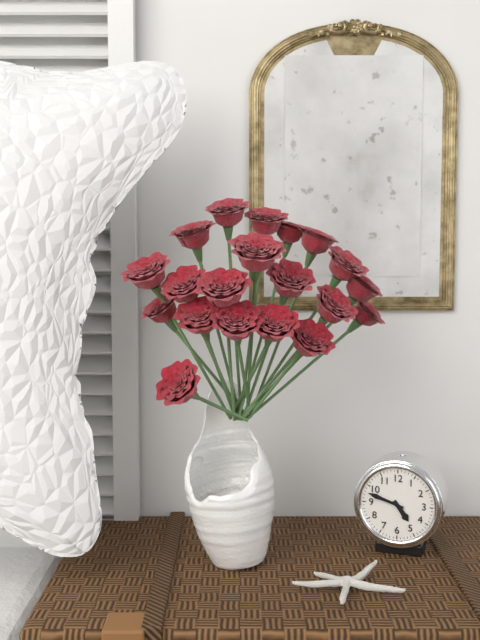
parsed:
4:48
